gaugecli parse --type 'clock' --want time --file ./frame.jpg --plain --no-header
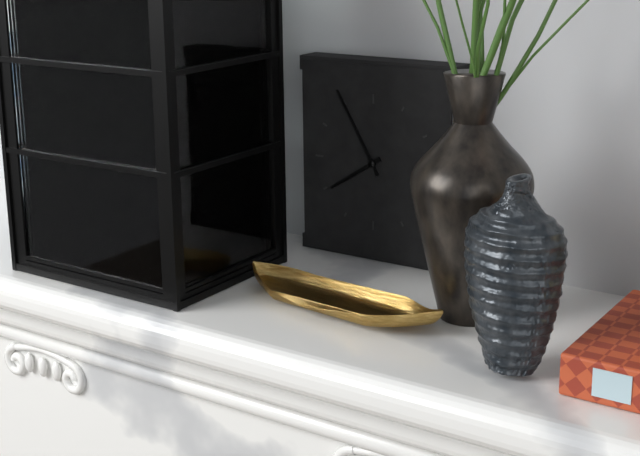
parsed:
7:55
